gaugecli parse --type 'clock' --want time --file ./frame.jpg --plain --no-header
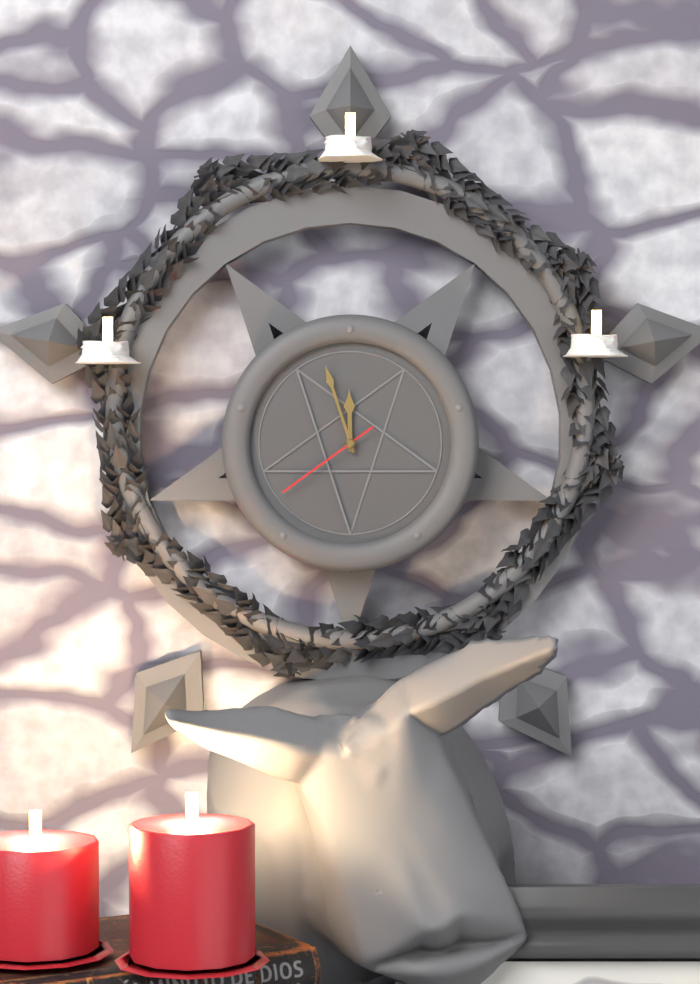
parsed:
11:57:39
